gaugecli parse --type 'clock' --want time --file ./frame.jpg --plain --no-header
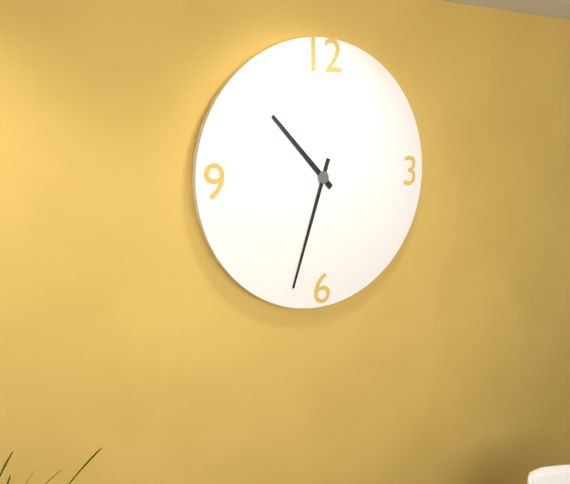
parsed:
10:33
